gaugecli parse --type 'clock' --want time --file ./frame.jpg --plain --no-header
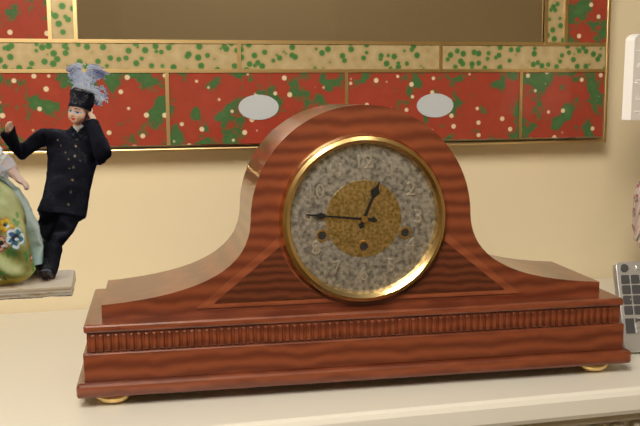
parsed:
12:46
